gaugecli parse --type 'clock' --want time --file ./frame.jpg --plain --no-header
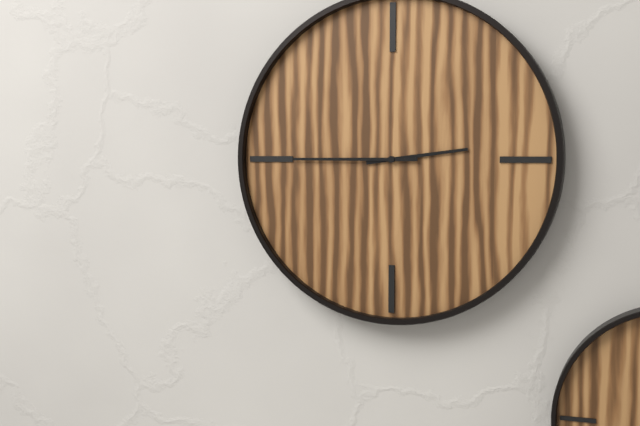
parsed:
2:45
